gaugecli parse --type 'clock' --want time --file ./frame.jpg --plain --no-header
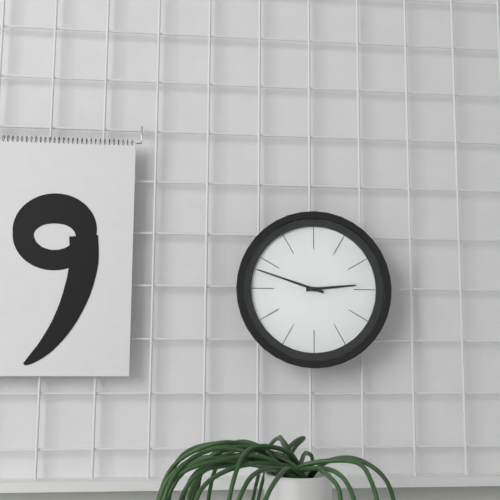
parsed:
2:48
